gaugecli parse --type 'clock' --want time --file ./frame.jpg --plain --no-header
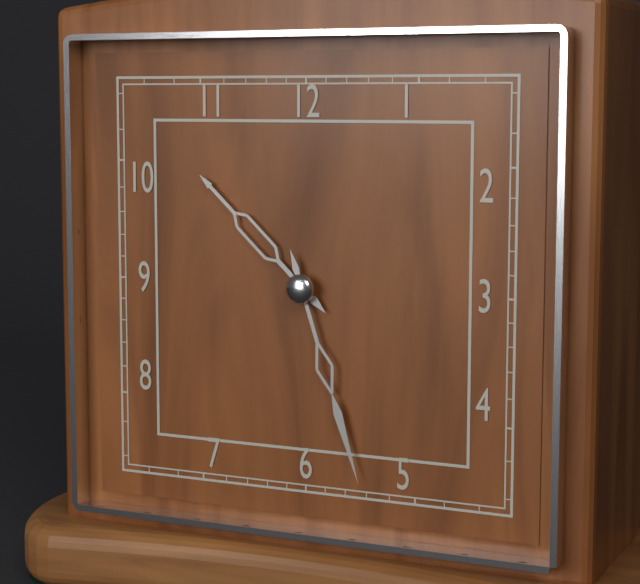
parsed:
10:27
